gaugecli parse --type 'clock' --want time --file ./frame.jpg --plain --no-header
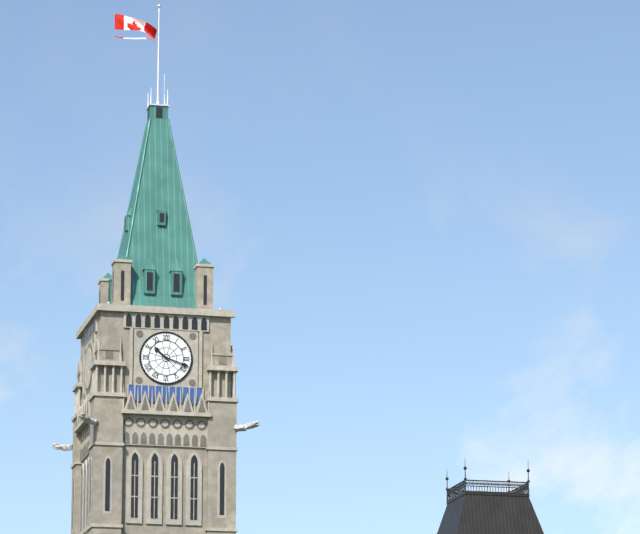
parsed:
10:18
